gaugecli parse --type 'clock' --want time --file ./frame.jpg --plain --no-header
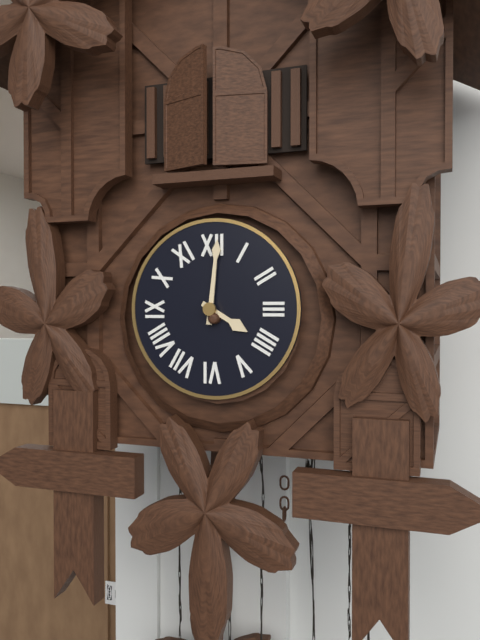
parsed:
4:01
